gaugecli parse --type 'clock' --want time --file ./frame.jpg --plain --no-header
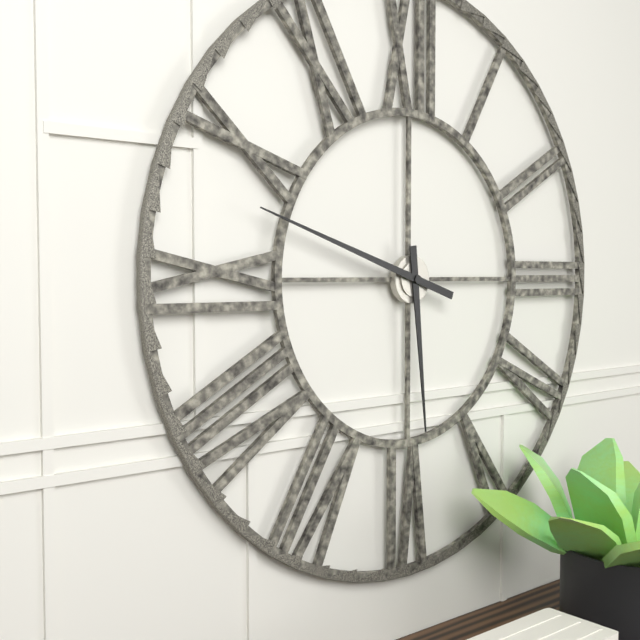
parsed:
5:48
